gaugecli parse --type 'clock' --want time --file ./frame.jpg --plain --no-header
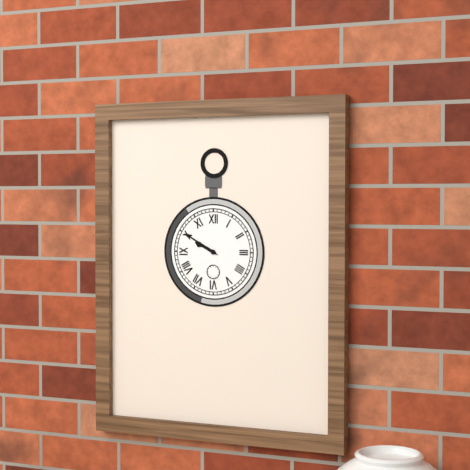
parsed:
9:50
